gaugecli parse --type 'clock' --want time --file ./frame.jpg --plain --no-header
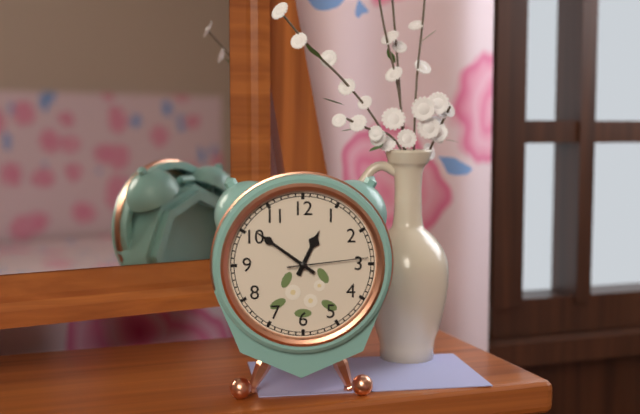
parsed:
12:51:14
